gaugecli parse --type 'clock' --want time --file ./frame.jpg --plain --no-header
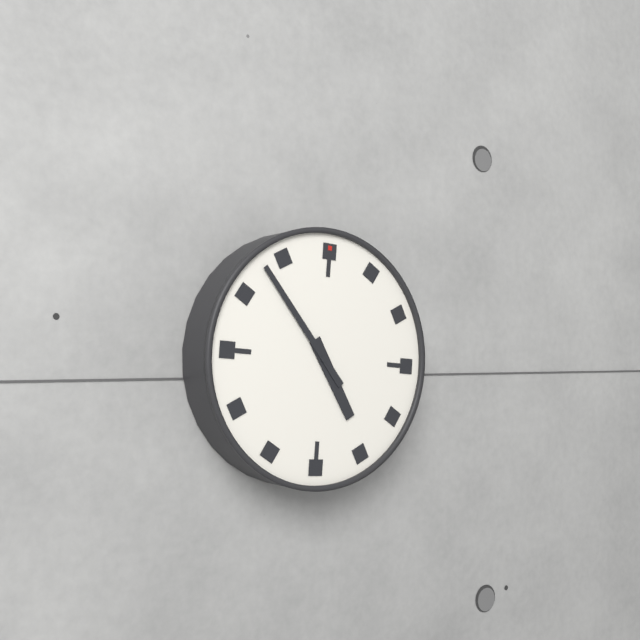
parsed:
4:53
